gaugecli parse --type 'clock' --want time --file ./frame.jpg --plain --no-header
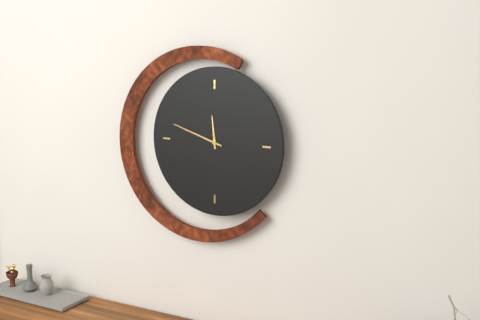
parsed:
11:48
